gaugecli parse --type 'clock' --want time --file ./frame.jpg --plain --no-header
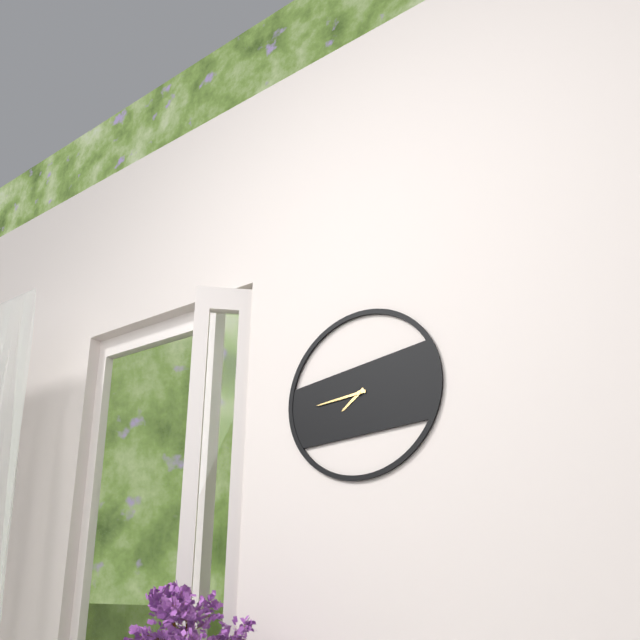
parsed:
7:44
